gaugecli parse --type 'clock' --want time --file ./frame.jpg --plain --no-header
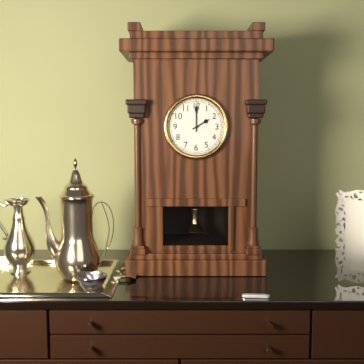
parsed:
2:00
